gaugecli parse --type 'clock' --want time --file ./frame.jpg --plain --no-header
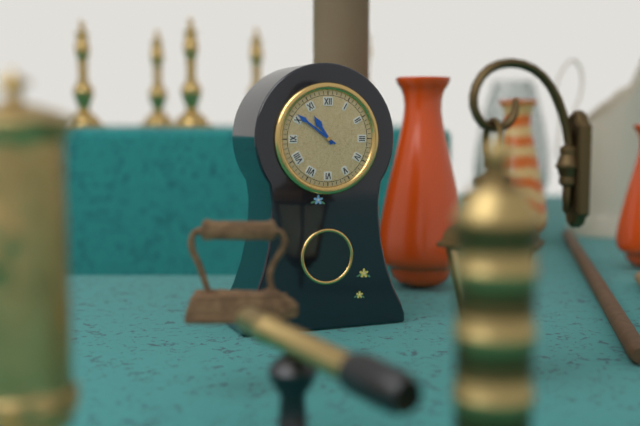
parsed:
10:51
